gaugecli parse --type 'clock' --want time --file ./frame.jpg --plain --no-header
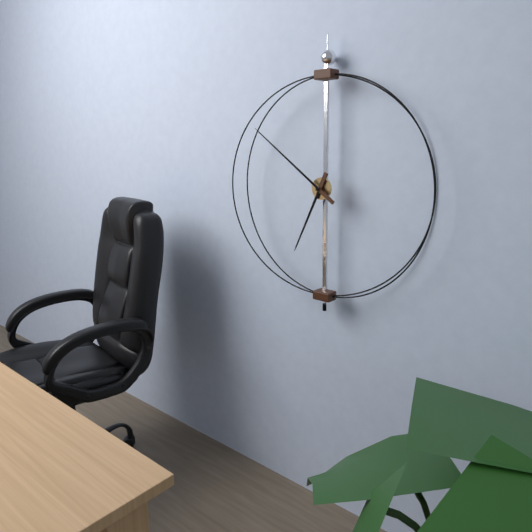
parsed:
6:51
